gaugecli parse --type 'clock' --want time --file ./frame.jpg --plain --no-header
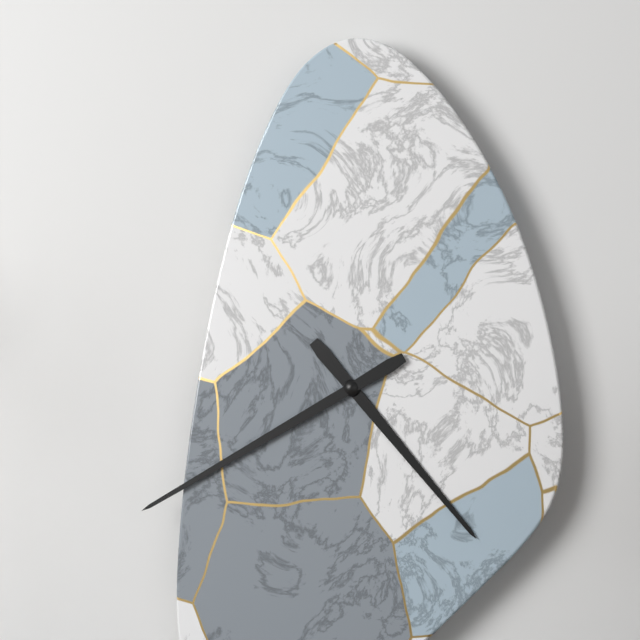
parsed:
4:40
